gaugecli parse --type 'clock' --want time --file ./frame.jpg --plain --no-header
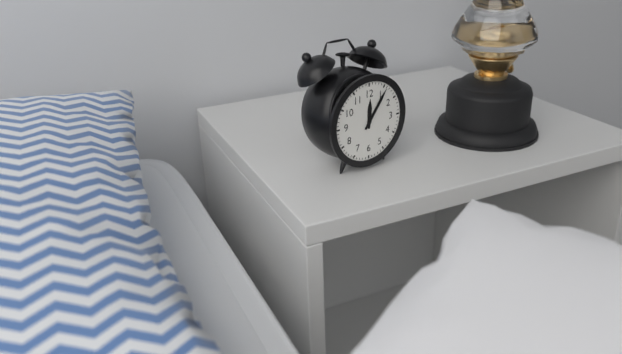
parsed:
12:06
